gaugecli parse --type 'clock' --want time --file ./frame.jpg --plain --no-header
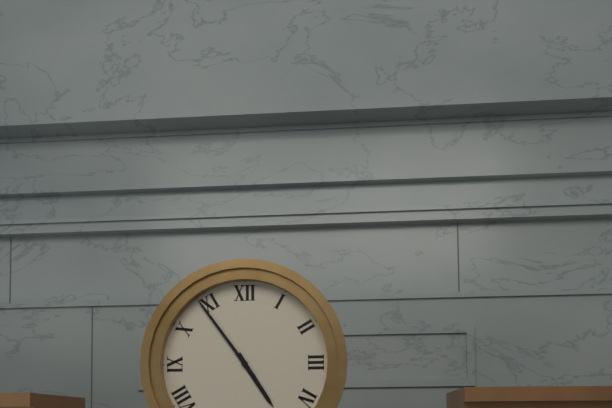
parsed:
4:54
